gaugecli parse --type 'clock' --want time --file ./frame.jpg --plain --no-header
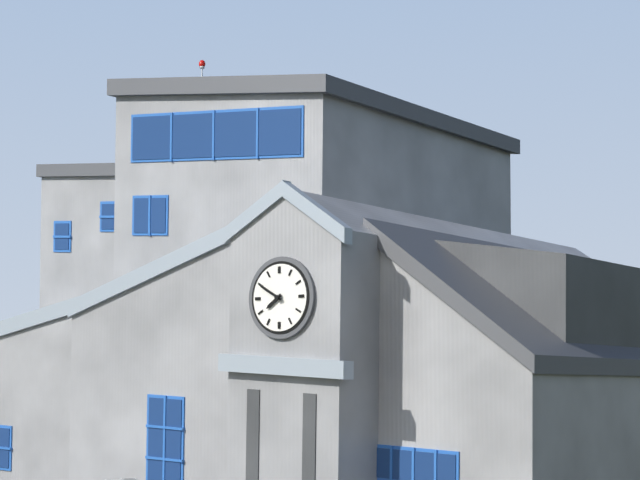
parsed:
7:50
